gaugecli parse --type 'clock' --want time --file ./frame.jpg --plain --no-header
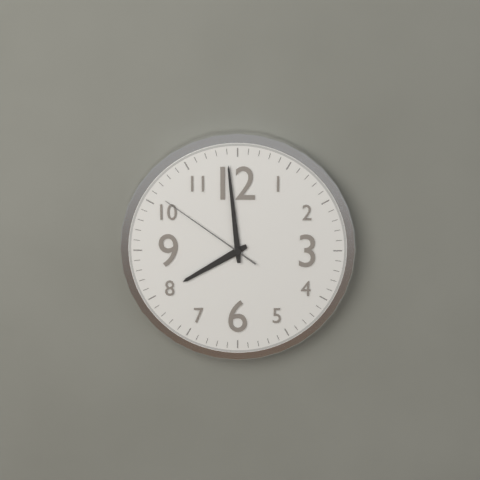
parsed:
7:59:51
